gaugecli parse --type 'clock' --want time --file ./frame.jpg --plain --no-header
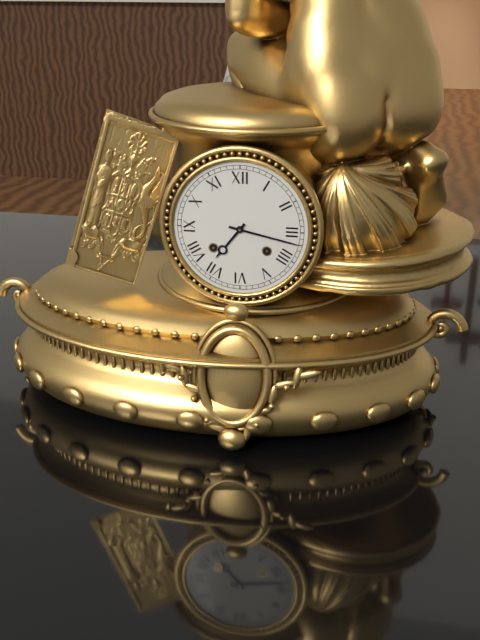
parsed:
7:17
